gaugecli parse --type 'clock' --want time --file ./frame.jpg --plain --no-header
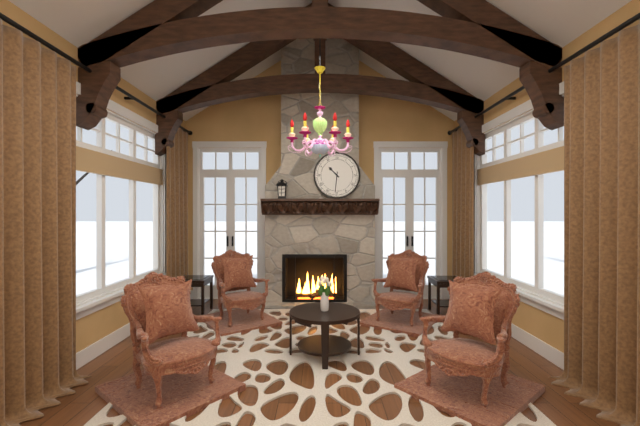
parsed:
10:31
